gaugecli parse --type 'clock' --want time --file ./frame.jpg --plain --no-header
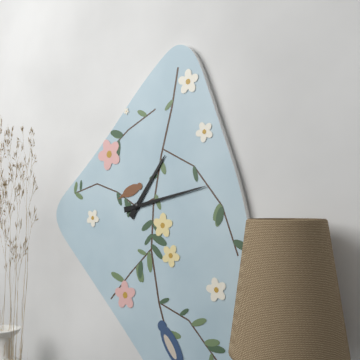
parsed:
1:13
